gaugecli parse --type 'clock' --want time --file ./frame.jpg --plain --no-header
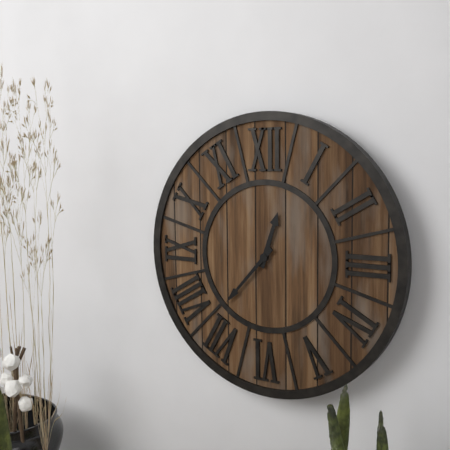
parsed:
12:37
